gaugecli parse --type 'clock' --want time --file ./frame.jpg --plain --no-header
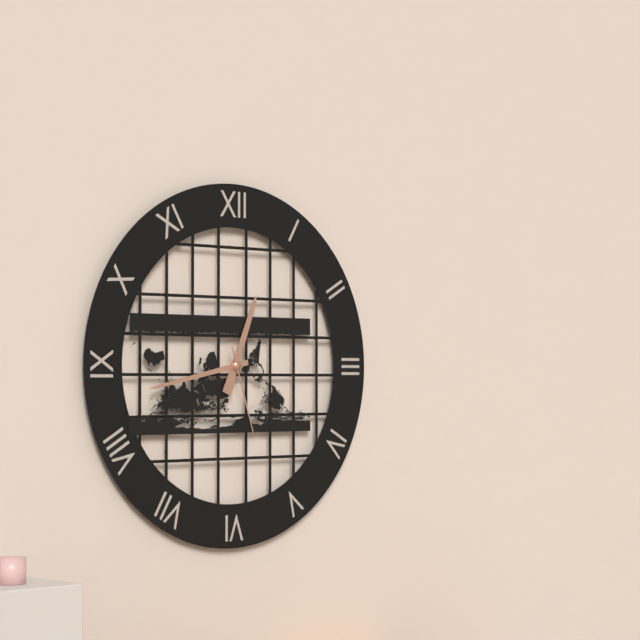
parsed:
12:43:27
